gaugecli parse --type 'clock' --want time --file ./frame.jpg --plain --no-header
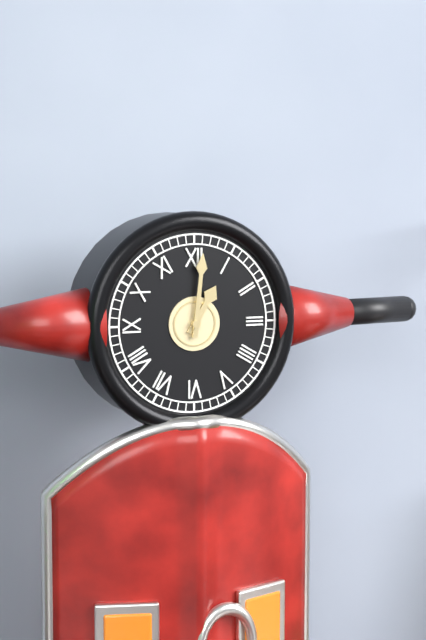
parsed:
1:01
